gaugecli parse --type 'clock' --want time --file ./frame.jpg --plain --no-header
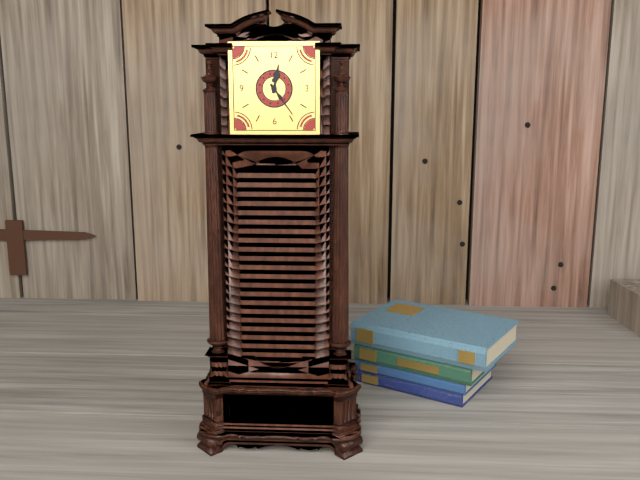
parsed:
12:24
